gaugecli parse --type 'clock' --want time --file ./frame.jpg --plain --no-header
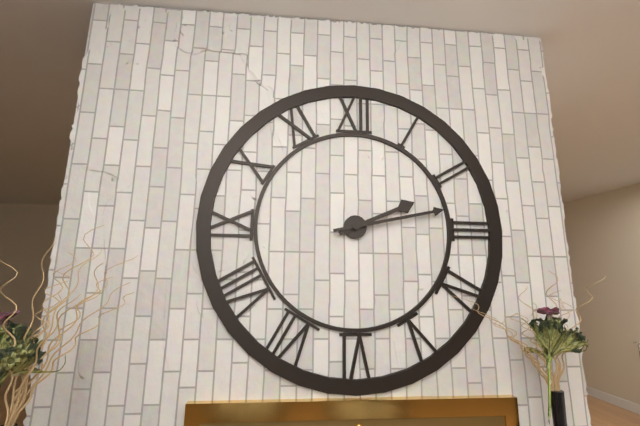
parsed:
2:13
